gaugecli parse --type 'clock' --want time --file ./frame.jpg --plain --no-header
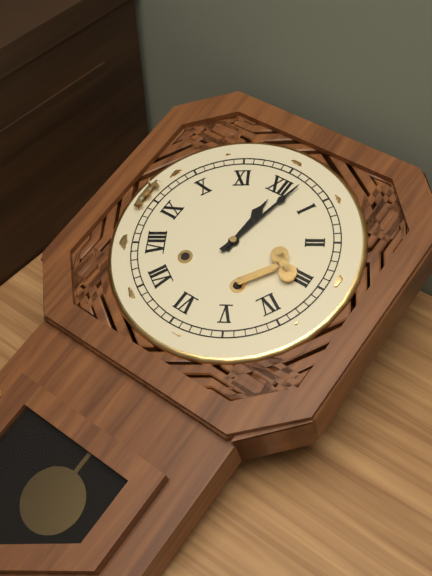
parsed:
12:02
